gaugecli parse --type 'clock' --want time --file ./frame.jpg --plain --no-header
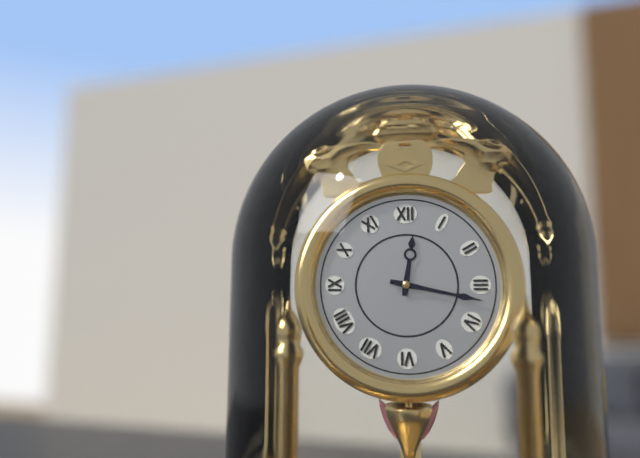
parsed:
12:17
